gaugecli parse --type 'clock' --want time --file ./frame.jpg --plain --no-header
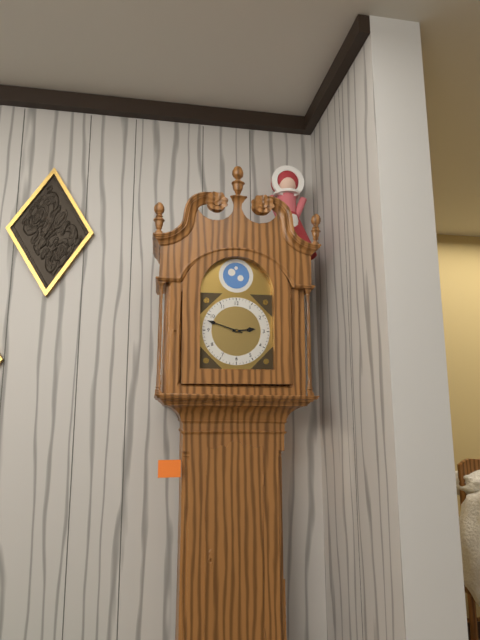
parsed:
2:48
